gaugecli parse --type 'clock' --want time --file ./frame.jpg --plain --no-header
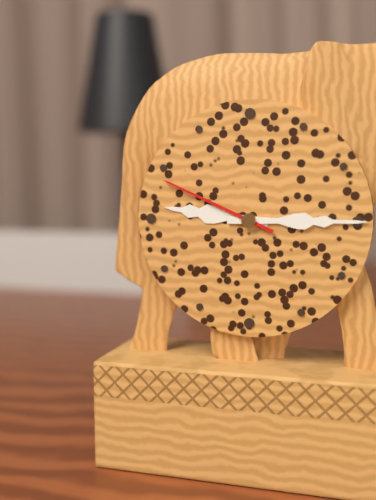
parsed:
9:15:49
